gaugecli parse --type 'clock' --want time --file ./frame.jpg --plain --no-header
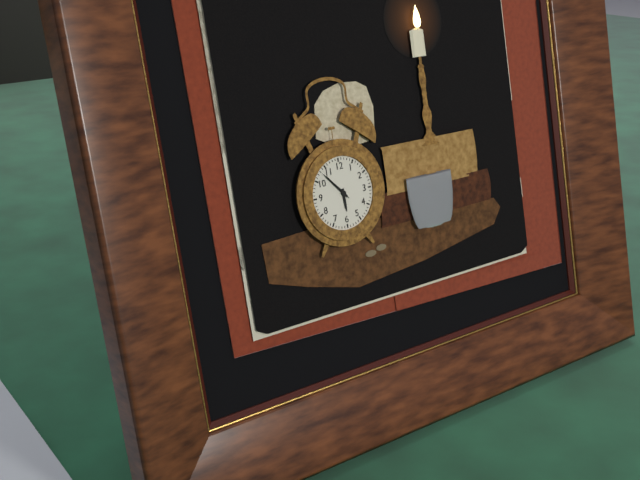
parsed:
5:53
